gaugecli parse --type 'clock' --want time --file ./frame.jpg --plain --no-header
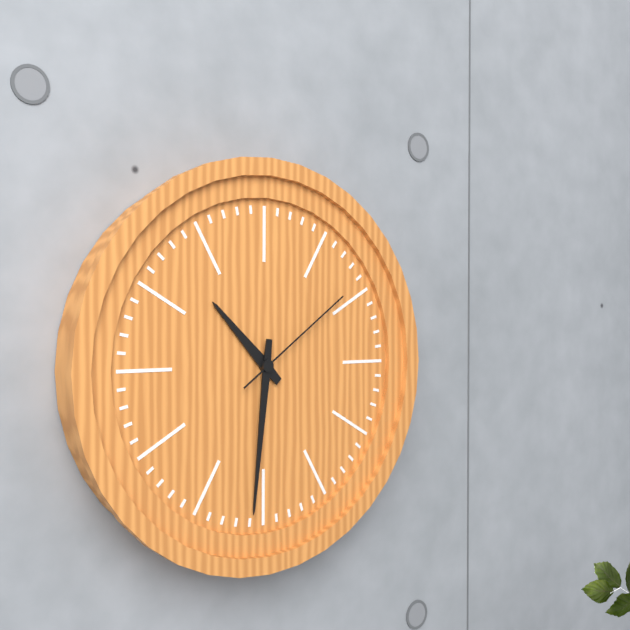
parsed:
10:31:09
